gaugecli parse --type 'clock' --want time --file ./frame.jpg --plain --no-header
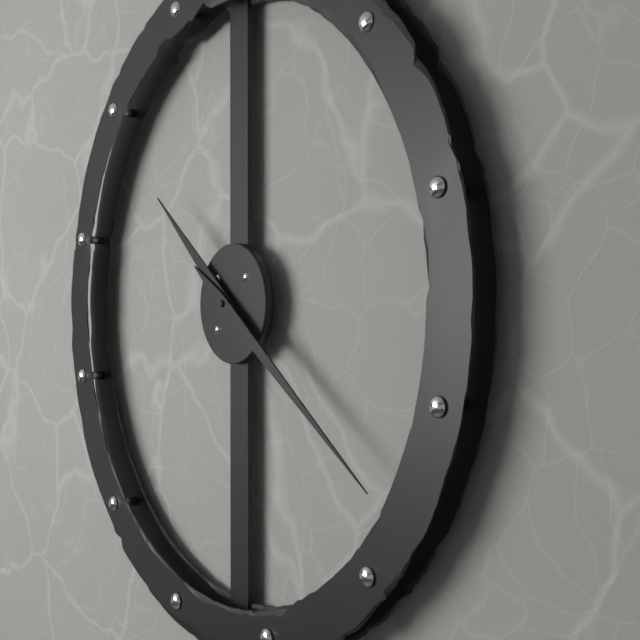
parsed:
10:21
